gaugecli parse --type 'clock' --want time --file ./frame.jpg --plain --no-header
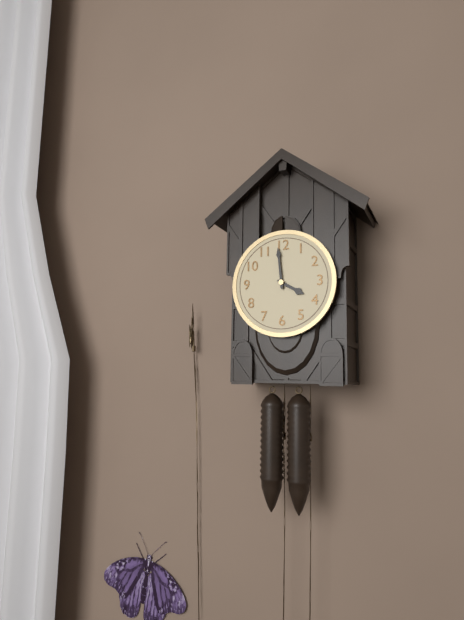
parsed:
3:59
